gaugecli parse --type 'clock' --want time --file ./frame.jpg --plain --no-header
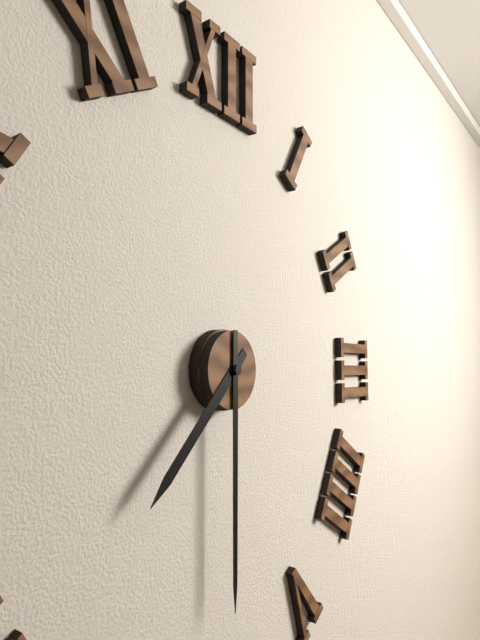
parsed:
7:30
